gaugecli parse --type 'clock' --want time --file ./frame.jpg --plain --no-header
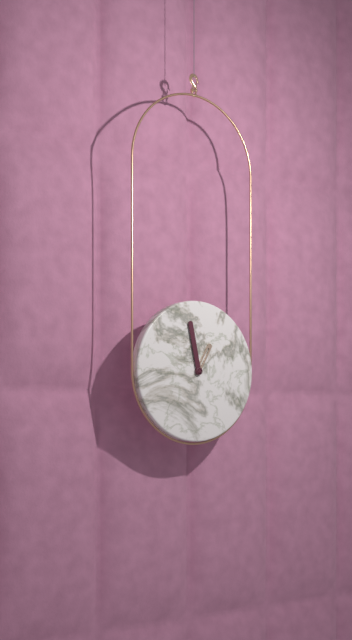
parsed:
12:58
